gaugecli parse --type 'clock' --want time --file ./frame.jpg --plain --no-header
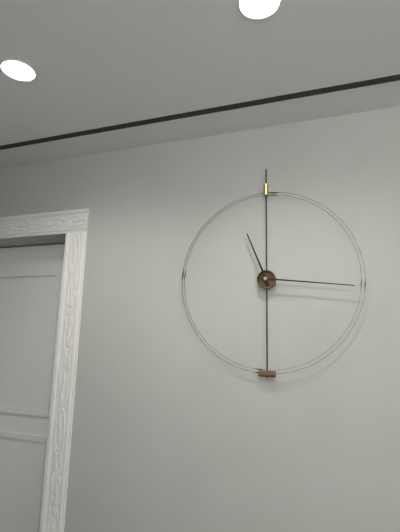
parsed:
11:16
